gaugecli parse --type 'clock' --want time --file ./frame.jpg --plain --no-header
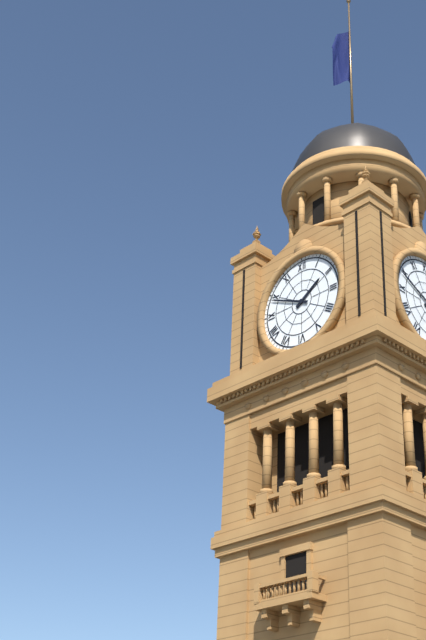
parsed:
1:49
